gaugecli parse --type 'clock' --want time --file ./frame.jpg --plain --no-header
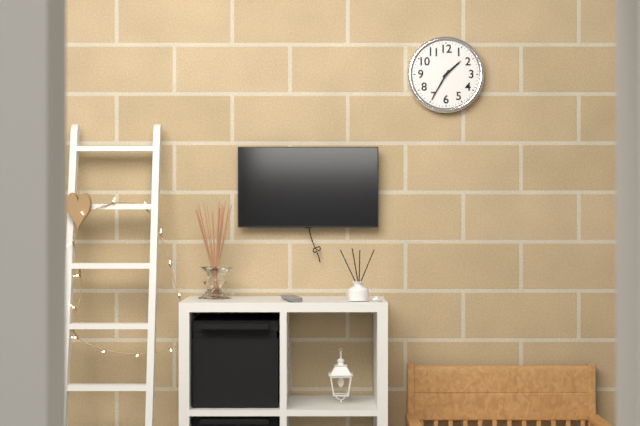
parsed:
1:35
